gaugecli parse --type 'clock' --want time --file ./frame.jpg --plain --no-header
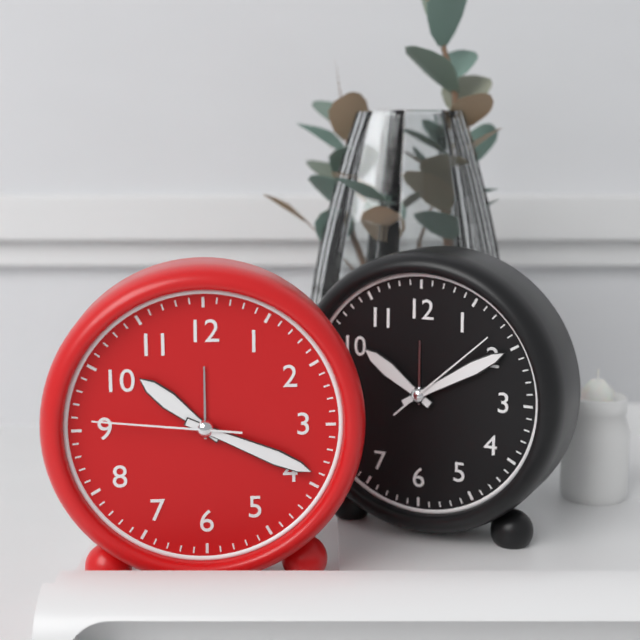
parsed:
10:19:46
